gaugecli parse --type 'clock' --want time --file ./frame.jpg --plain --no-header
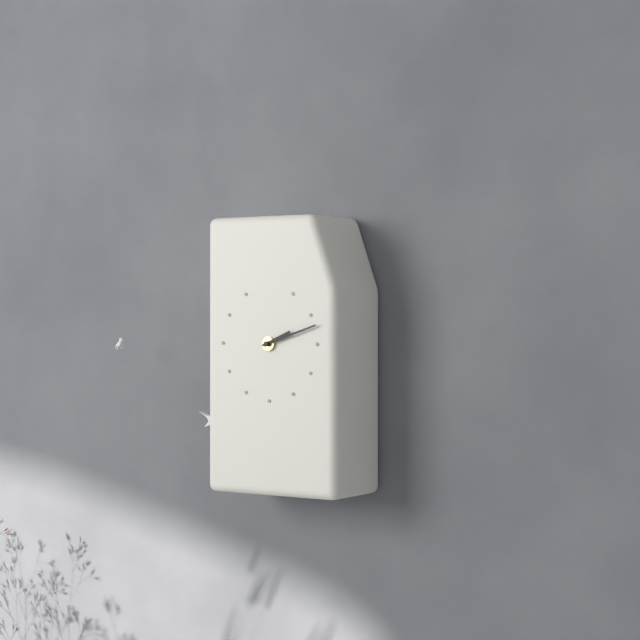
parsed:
2:12
